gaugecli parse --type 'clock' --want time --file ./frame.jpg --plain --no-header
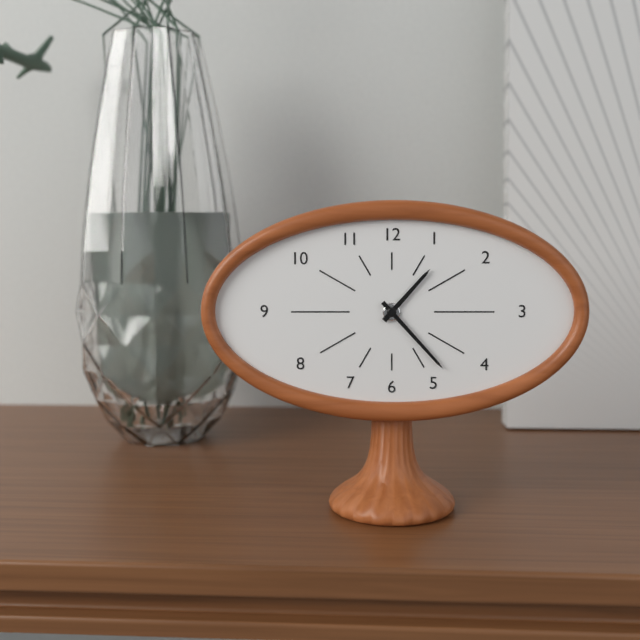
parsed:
1:23
